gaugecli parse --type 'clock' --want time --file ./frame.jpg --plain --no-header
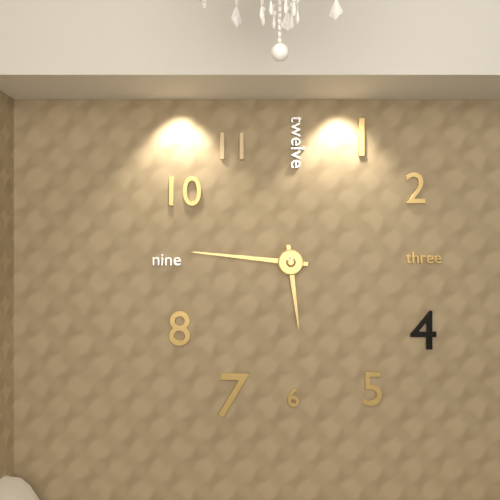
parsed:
5:46
